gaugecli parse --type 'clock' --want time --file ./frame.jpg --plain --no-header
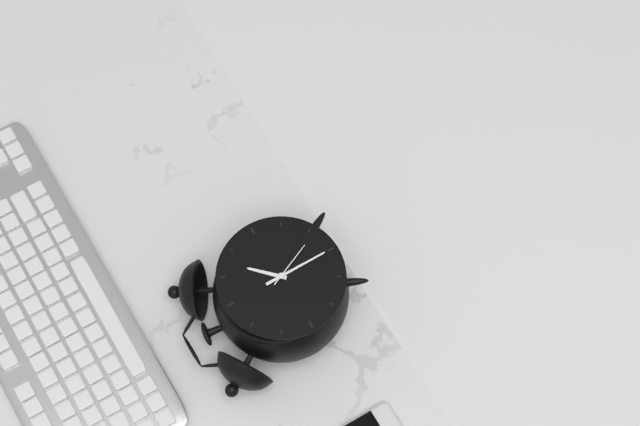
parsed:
1:30
